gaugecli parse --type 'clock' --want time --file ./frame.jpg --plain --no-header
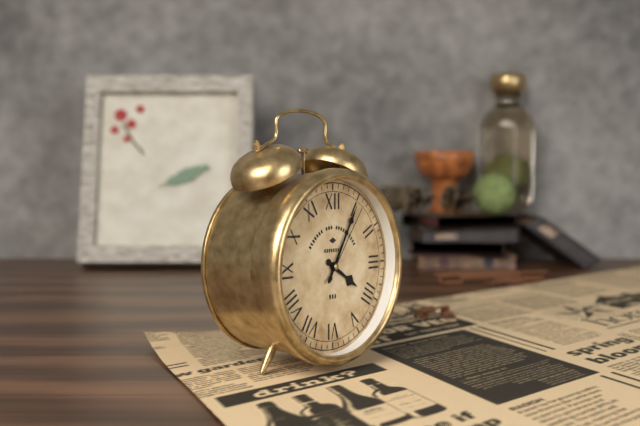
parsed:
4:05:06
